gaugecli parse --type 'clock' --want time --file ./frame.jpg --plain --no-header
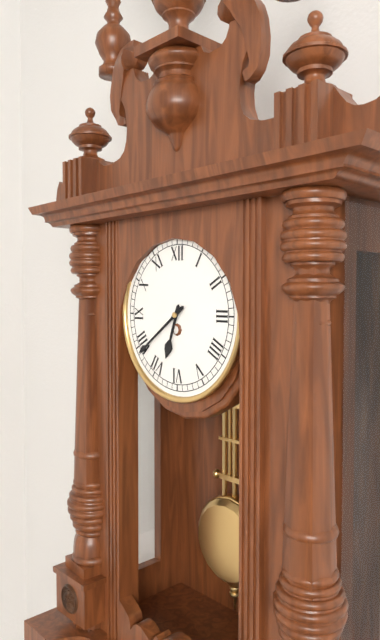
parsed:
6:39
